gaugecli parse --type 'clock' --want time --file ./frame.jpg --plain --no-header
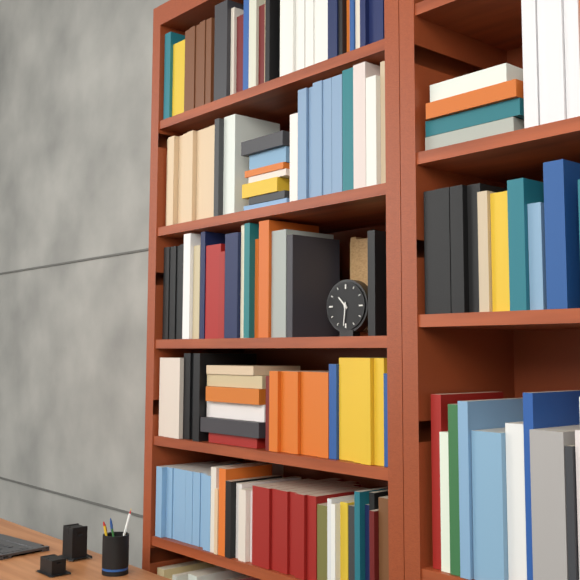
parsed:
10:31
